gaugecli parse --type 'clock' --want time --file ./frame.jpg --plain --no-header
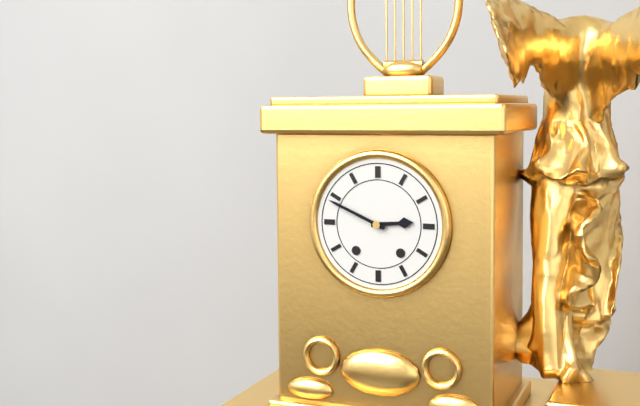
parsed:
2:49
